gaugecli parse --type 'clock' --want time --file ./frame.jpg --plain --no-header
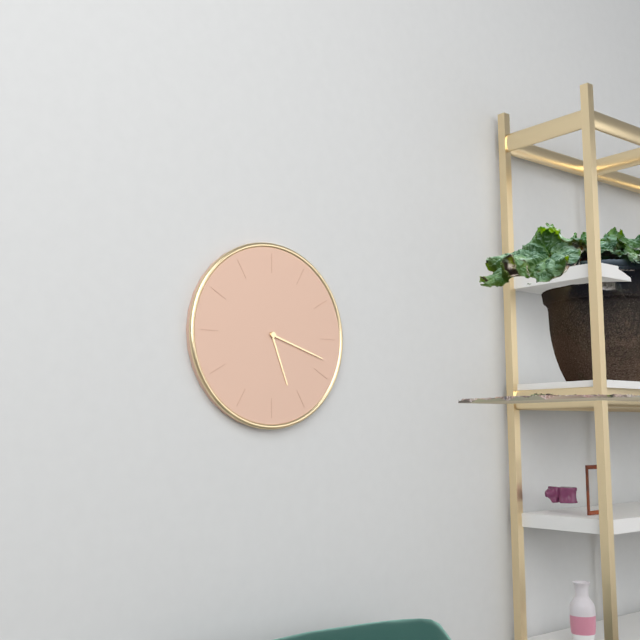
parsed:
5:18
